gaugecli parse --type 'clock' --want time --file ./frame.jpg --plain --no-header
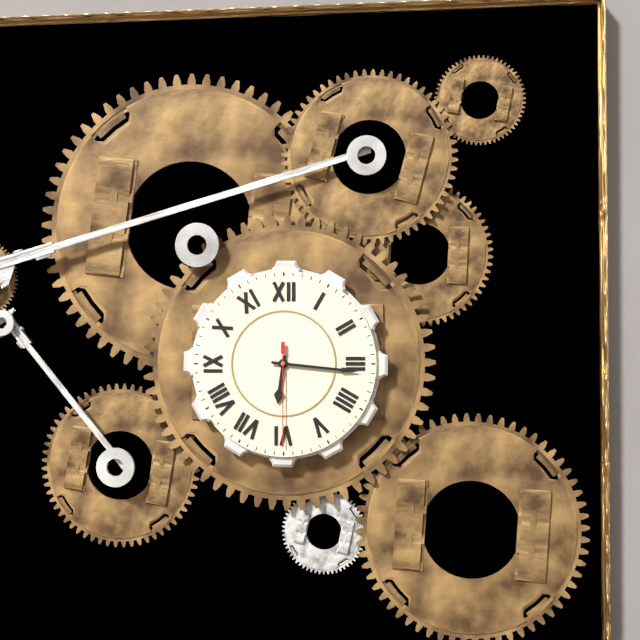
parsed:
6:16:30
